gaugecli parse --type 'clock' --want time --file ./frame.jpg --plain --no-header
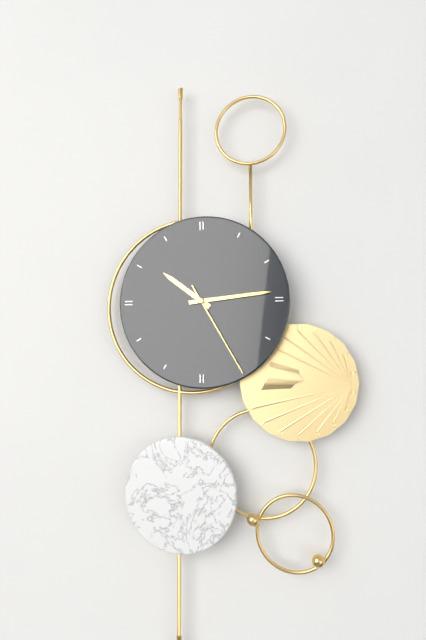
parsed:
10:14:25
